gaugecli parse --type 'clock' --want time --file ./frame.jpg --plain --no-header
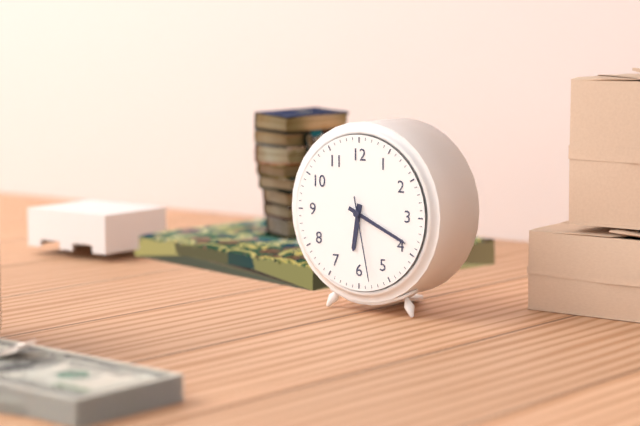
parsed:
6:19:28
